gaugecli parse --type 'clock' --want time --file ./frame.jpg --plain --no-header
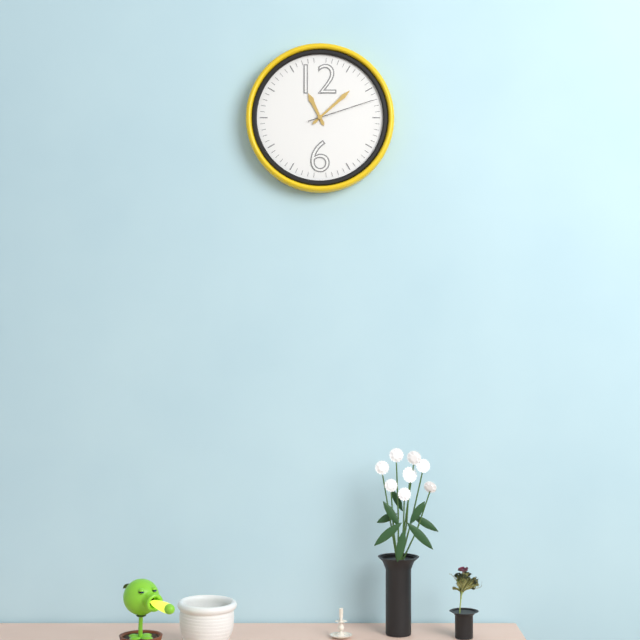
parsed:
11:08:12
